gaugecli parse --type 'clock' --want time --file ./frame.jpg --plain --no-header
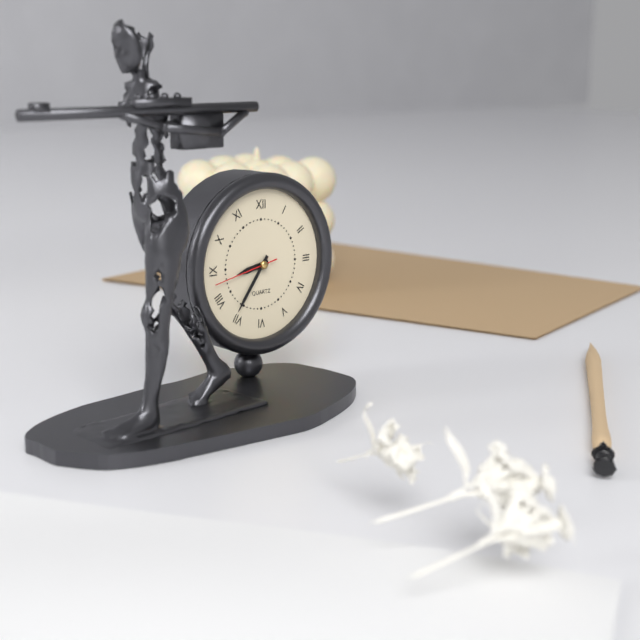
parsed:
8:36:43
